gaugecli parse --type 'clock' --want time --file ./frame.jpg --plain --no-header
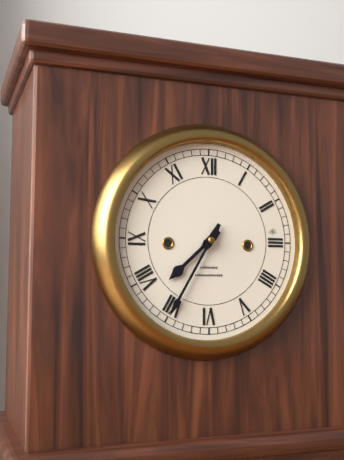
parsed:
7:35
